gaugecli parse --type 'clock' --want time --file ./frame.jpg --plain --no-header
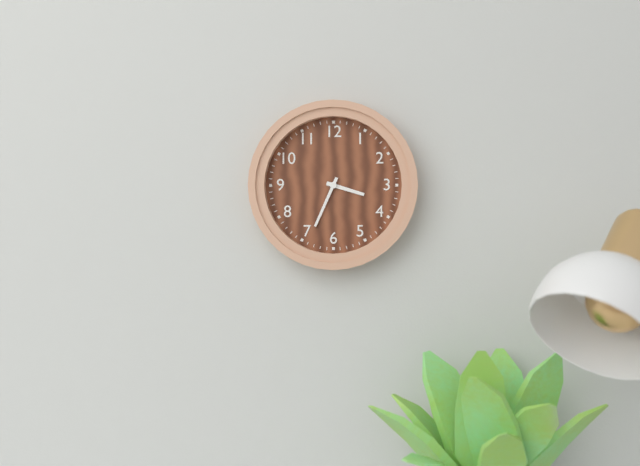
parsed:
3:34
